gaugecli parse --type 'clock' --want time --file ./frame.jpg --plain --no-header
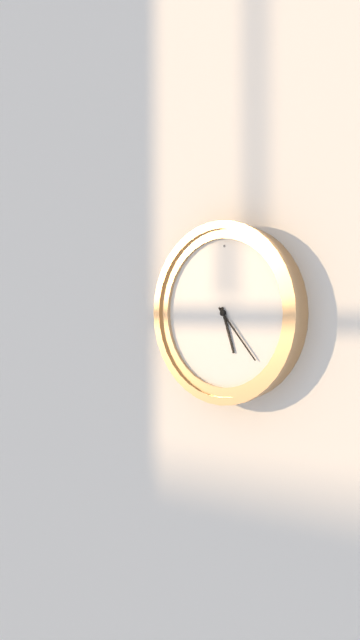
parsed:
5:23
